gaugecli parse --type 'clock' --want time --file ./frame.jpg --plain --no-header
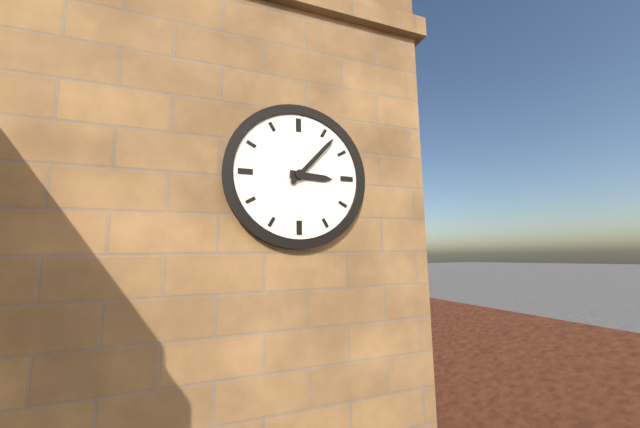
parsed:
3:07
